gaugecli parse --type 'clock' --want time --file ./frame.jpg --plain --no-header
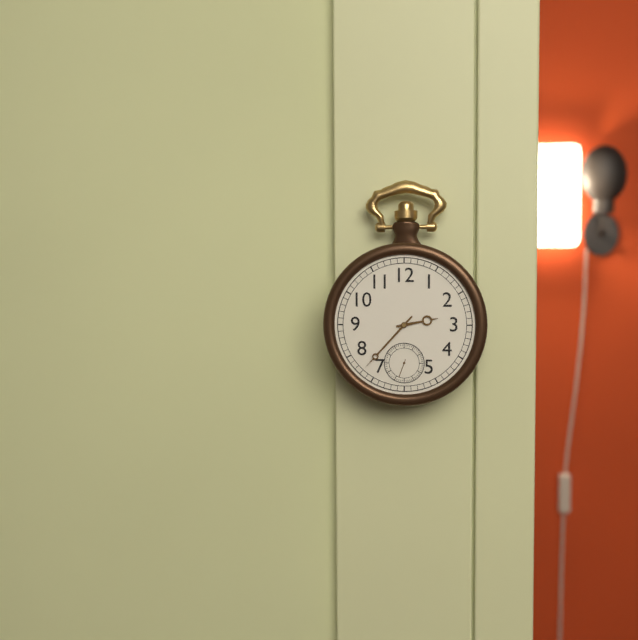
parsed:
2:37
